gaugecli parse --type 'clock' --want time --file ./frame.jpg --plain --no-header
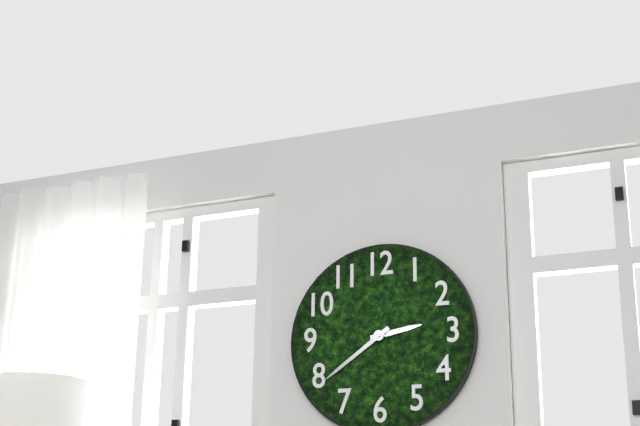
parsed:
2:39
